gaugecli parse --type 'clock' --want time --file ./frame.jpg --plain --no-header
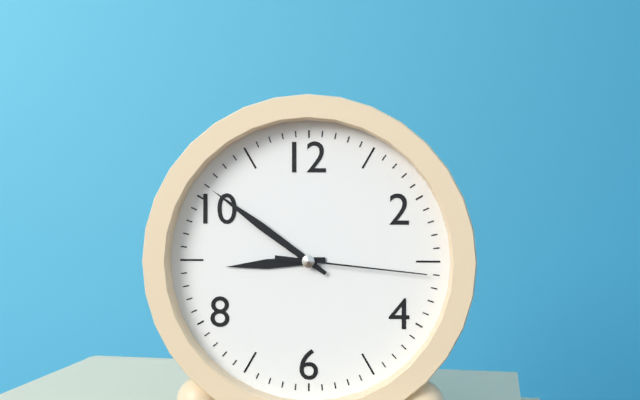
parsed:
8:51:16
